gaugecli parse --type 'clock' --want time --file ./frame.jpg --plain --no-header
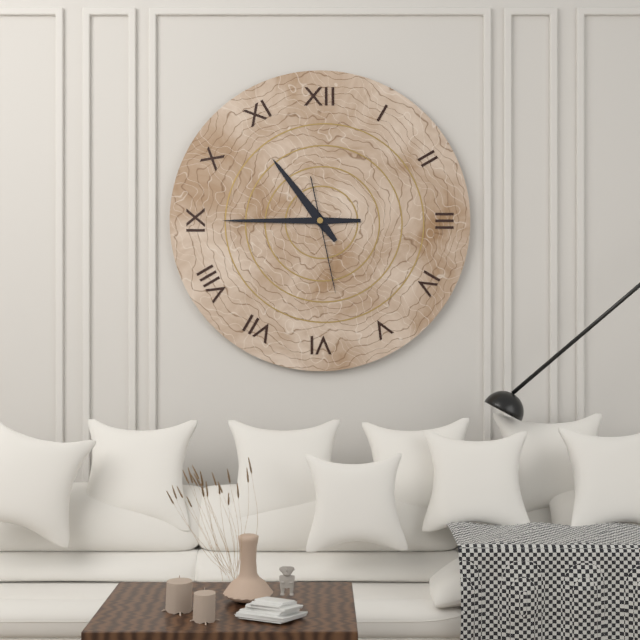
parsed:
10:45:28
